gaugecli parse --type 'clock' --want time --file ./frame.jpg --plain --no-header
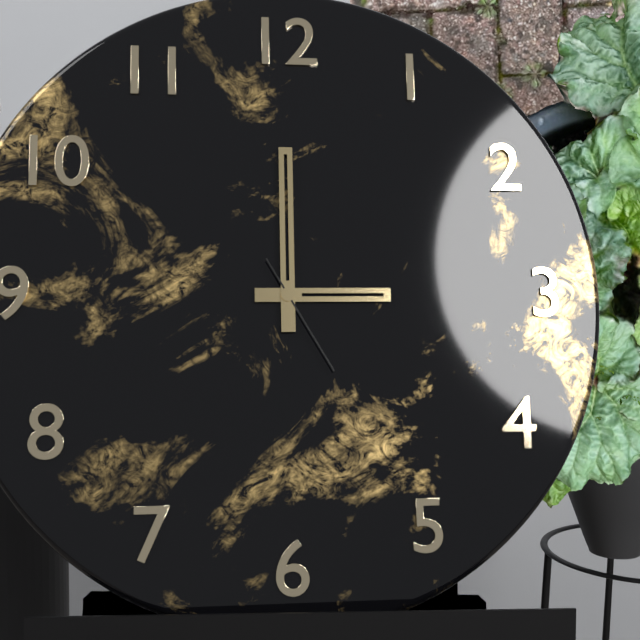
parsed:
3:00:25
